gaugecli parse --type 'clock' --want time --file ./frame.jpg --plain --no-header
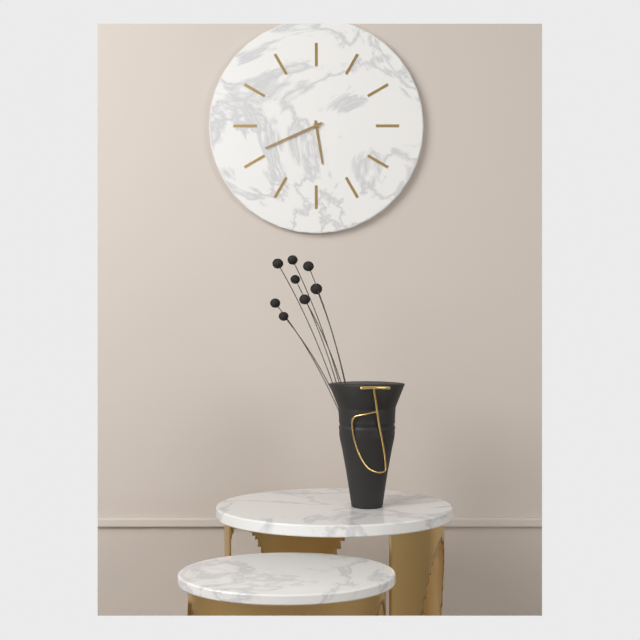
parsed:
5:41
